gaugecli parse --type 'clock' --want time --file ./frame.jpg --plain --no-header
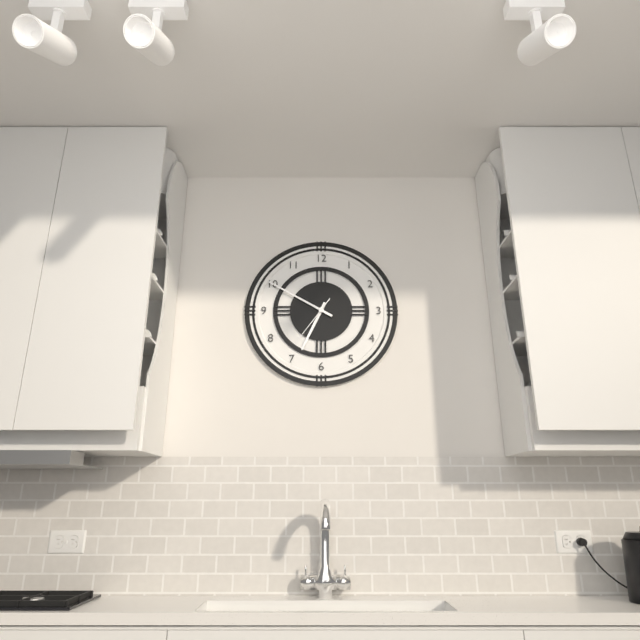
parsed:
6:50
